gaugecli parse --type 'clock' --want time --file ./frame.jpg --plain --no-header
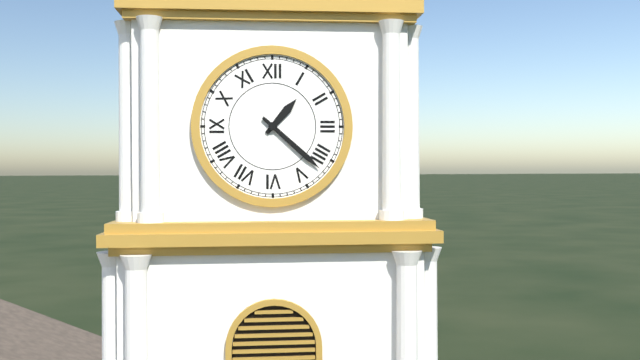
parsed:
1:22
